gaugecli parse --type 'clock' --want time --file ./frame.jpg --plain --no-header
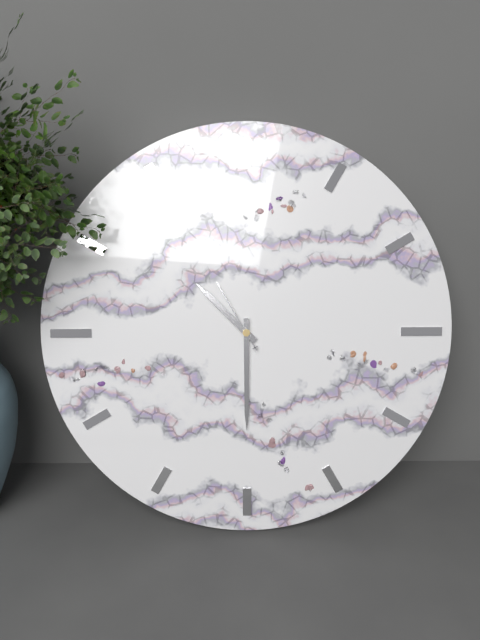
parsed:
10:30:55
